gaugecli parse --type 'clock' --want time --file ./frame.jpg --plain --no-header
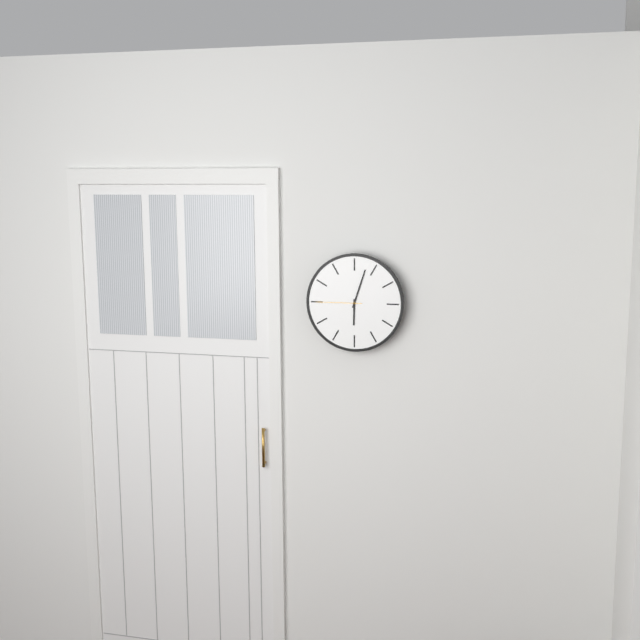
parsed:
6:03
